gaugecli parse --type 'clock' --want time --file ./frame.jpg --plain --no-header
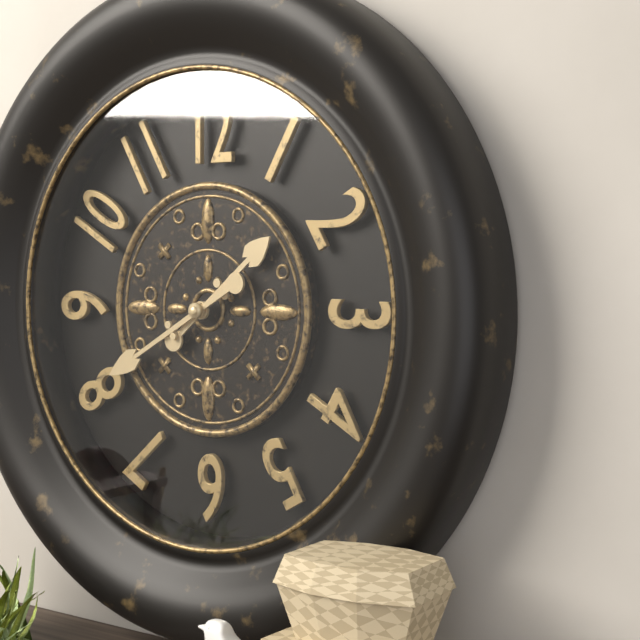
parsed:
1:40
